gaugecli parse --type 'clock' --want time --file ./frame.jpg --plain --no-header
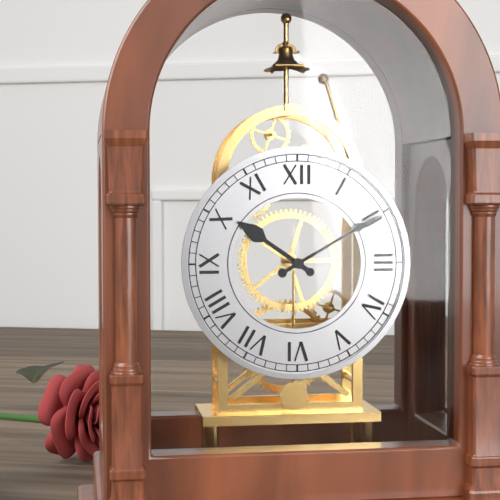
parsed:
10:10
